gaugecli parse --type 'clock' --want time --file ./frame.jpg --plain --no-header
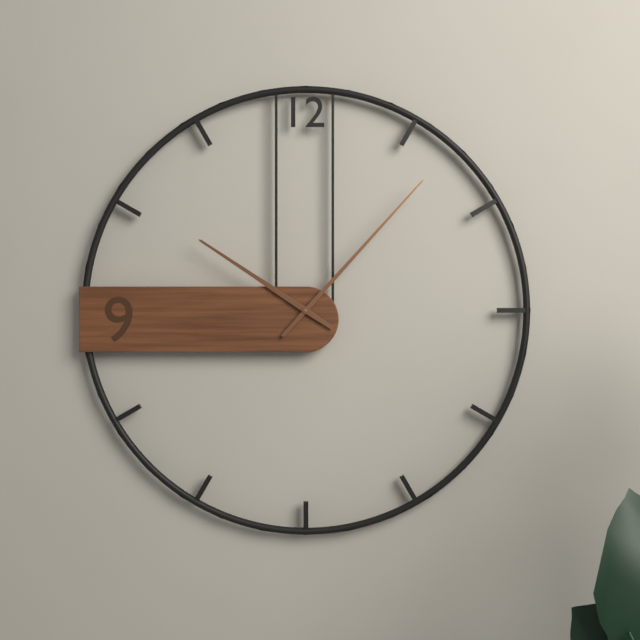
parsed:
10:07
